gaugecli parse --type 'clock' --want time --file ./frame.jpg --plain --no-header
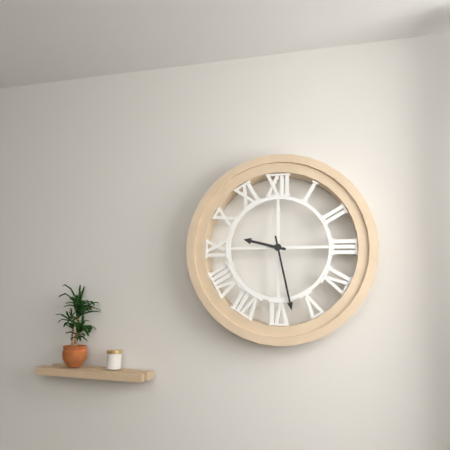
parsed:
9:28
